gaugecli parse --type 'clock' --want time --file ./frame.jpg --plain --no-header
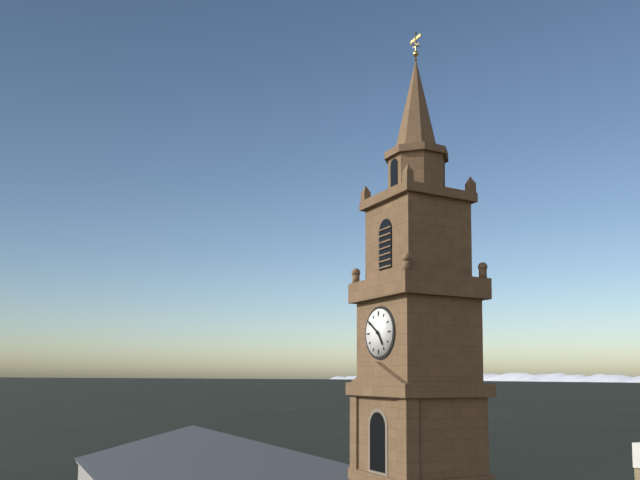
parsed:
4:51
